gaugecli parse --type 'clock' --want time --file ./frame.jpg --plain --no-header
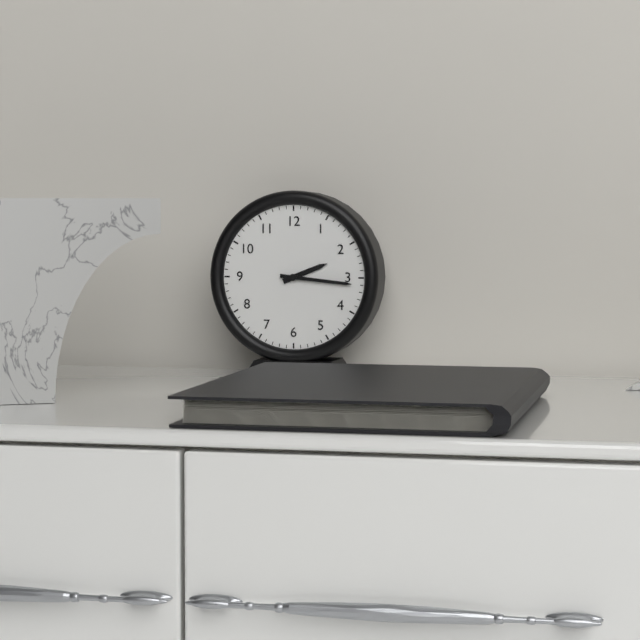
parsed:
2:16
